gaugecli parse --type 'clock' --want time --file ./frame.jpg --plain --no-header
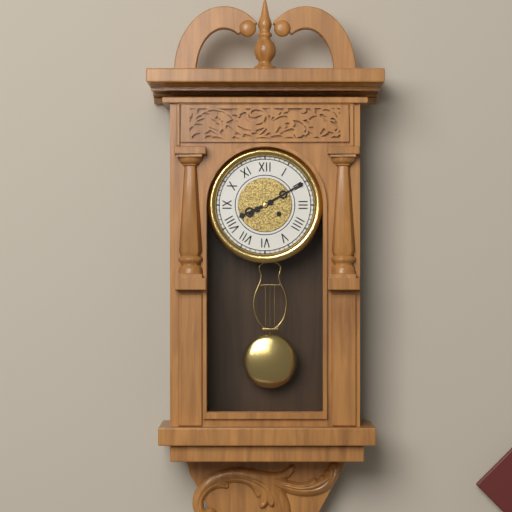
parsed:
8:10
